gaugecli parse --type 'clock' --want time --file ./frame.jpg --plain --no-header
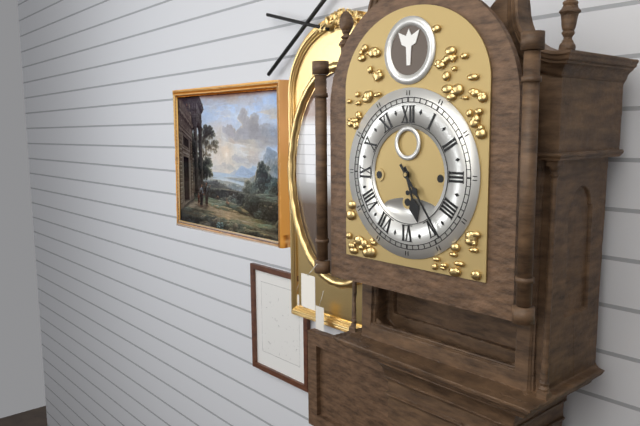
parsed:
5:24
